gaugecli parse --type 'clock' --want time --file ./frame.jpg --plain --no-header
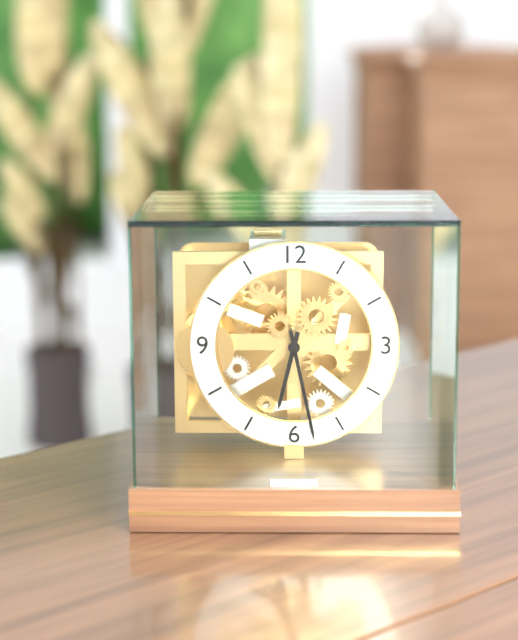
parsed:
6:28
